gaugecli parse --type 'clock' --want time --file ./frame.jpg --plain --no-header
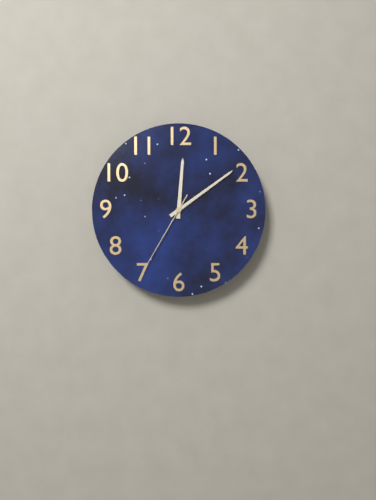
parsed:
12:09:35
